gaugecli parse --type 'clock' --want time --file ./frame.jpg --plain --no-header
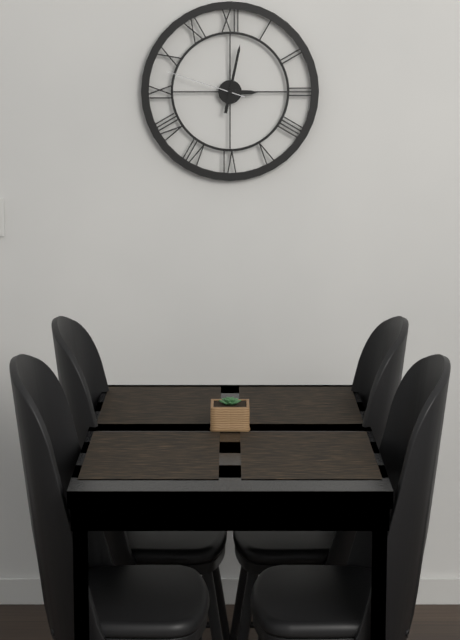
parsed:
3:02:48
